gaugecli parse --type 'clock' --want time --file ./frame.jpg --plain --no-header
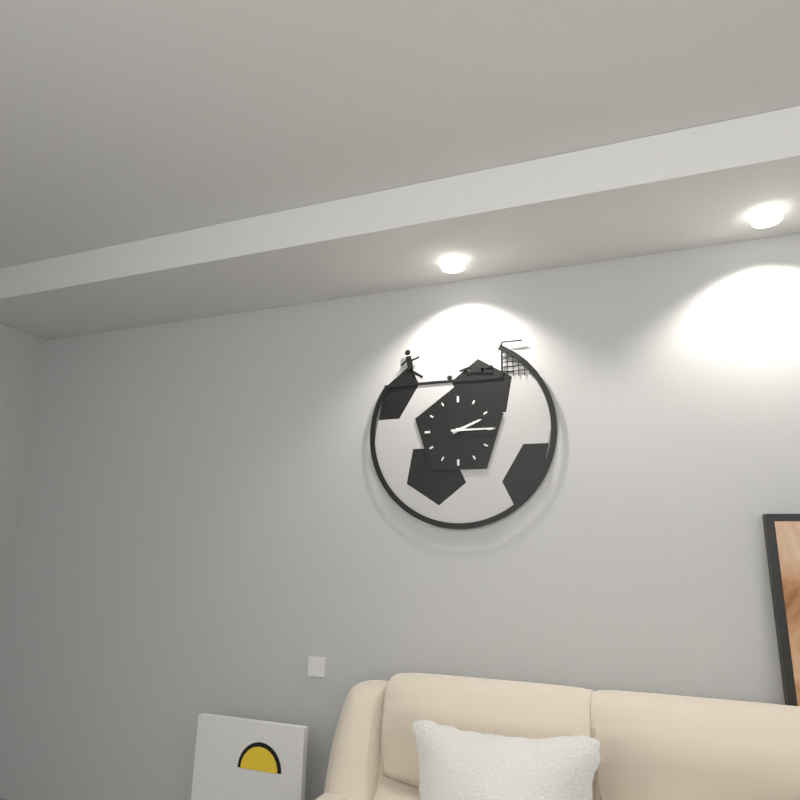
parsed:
2:15
